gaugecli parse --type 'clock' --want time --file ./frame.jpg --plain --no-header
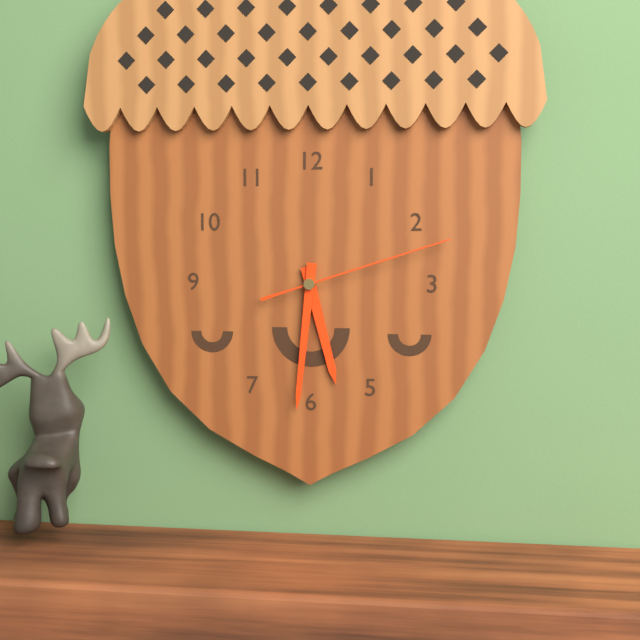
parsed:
5:31:12
